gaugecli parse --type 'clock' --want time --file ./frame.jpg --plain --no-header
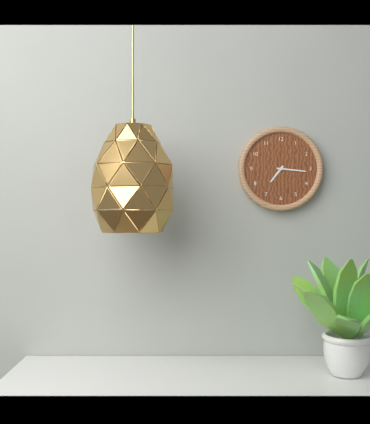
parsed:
7:16
